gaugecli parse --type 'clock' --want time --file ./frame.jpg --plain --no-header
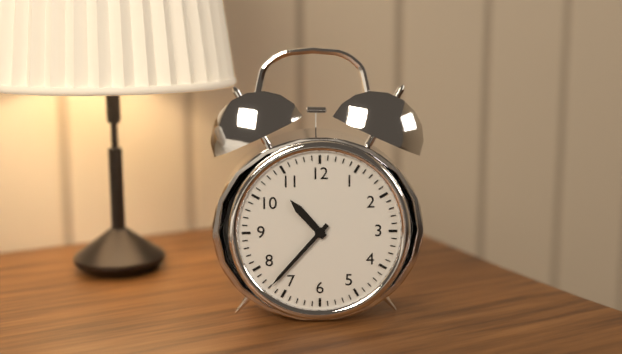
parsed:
10:37
